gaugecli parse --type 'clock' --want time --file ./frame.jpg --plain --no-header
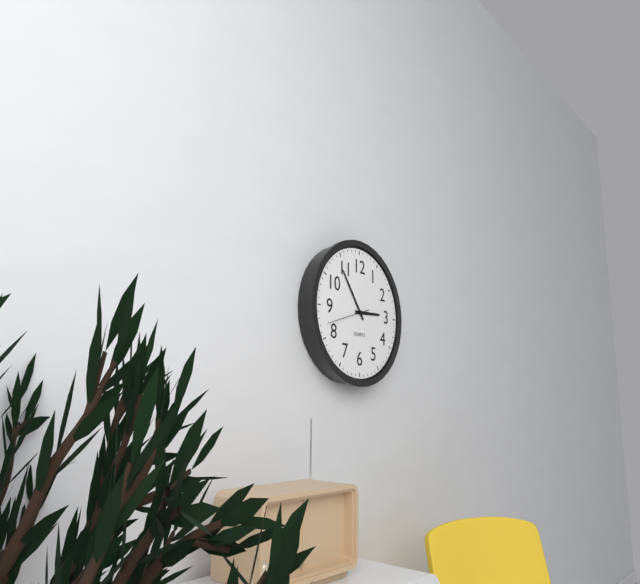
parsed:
2:54
